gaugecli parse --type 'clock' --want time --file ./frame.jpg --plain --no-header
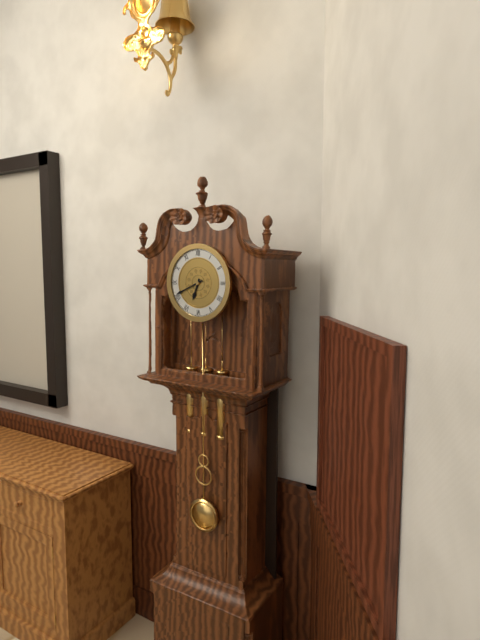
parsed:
6:41
